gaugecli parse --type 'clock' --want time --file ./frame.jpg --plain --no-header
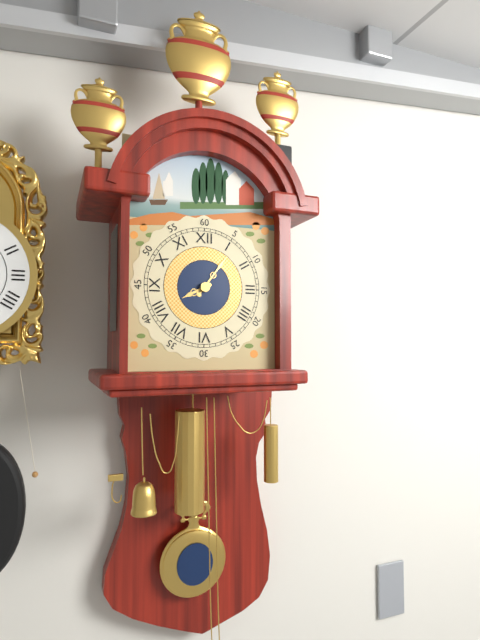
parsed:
8:06
